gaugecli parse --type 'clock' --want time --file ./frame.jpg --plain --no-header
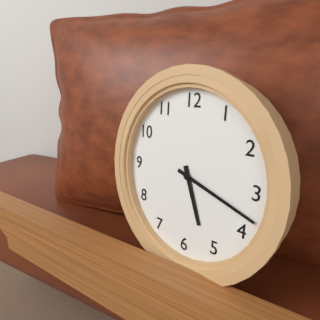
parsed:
5:18
